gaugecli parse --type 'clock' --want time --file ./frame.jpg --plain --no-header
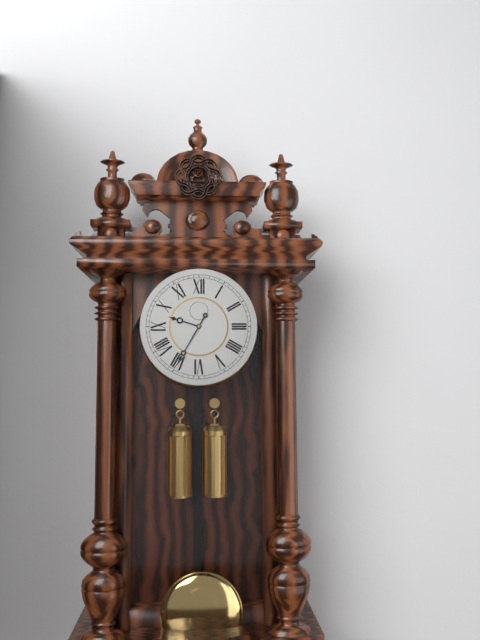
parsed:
9:35
